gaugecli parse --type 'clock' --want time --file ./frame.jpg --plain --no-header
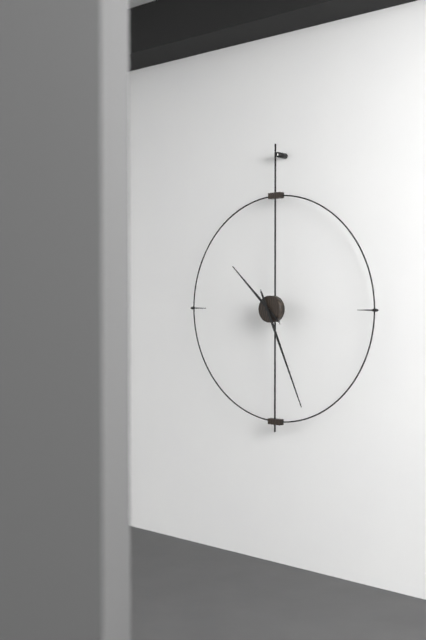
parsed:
10:26
